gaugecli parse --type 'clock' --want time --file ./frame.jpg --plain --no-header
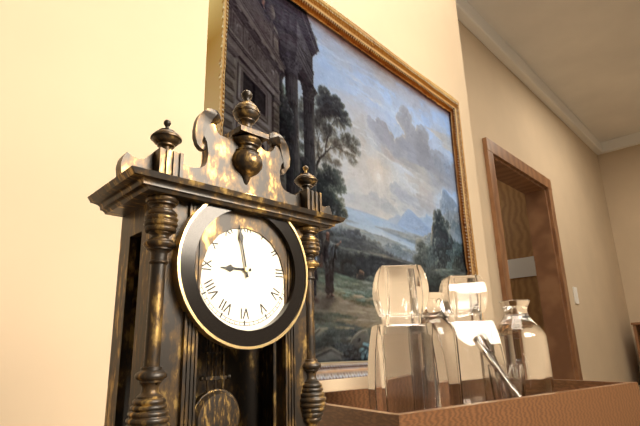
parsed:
8:58
